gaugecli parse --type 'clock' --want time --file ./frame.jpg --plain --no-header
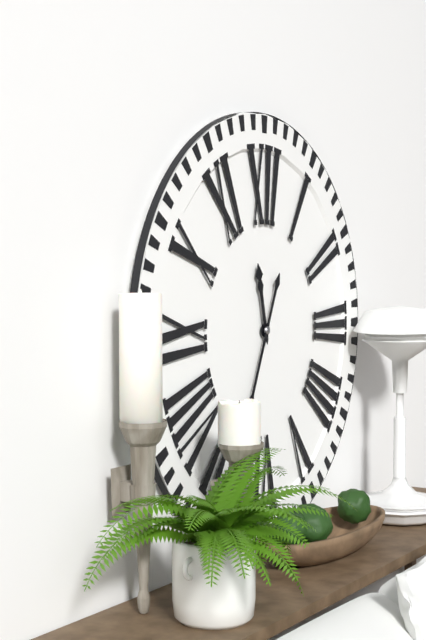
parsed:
11:34
